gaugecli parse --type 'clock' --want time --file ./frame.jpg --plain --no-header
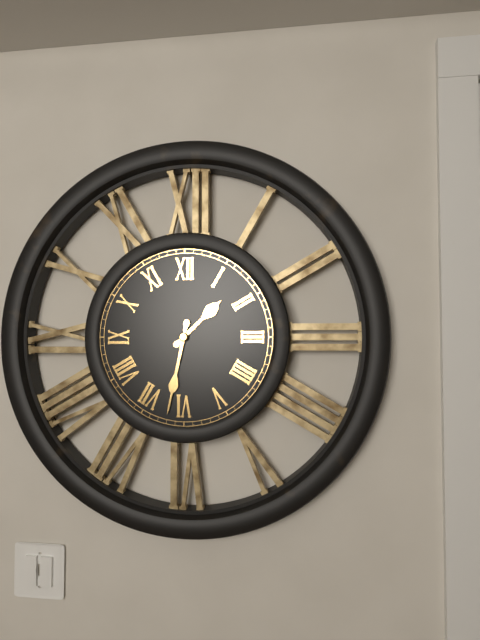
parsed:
1:32
